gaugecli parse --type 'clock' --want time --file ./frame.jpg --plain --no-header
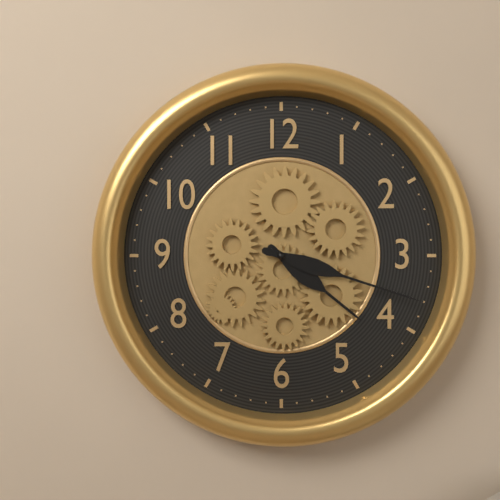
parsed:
4:18
